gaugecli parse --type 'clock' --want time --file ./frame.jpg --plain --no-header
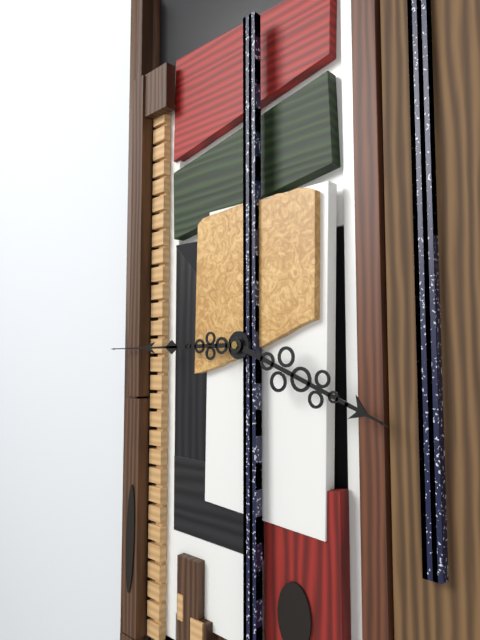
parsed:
3:45
